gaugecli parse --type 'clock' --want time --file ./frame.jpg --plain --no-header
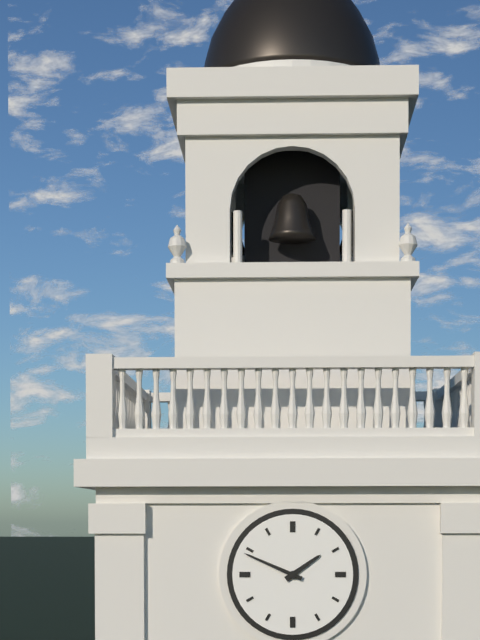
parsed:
1:49
